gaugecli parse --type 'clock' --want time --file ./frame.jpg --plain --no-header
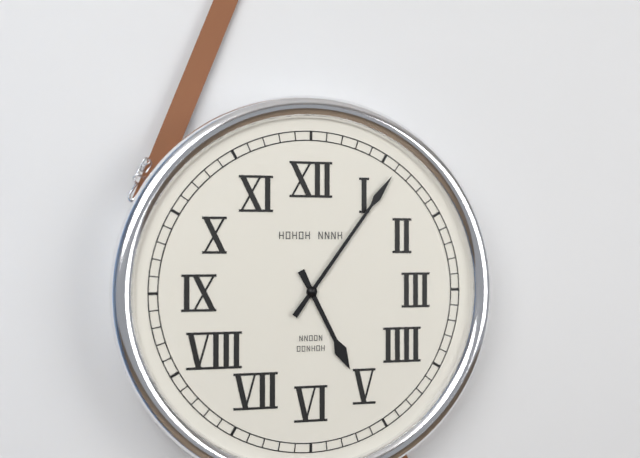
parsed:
5:06
